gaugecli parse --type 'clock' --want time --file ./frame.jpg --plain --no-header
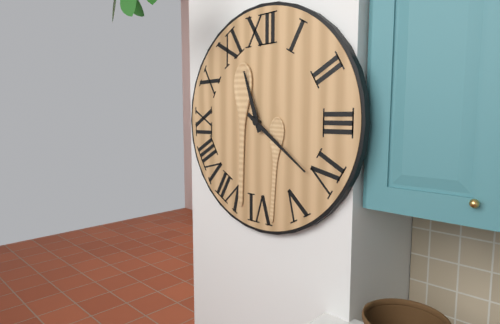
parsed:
11:21
